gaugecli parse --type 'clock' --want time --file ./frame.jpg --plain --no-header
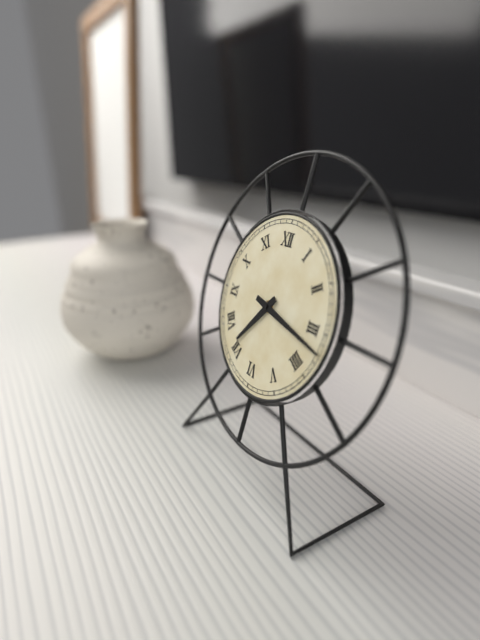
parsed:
7:17
